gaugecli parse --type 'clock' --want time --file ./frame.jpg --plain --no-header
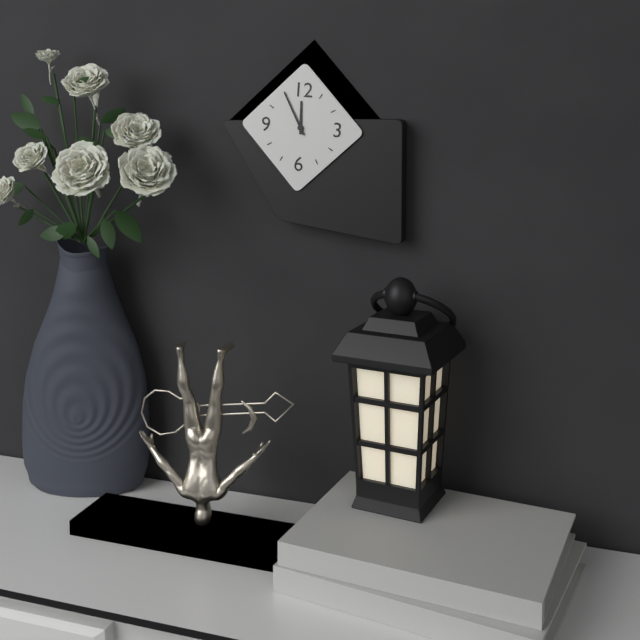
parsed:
11:55
